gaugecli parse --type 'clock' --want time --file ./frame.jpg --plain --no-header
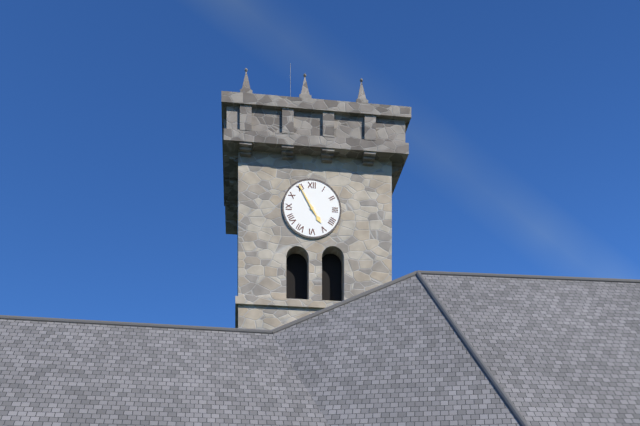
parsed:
4:55
